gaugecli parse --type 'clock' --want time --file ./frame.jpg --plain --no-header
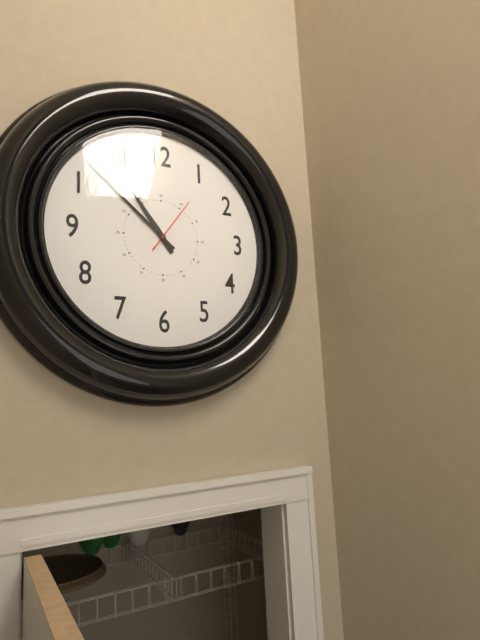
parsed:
10:52:06
